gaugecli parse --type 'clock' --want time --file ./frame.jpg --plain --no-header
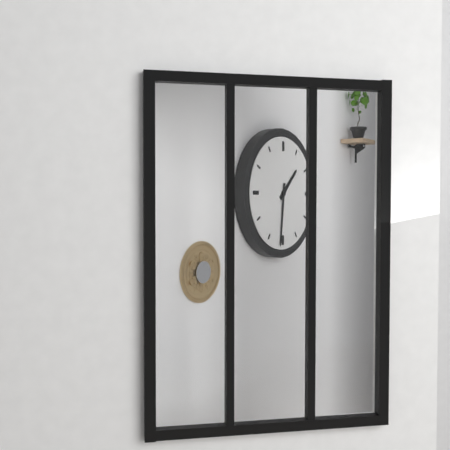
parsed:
1:31
